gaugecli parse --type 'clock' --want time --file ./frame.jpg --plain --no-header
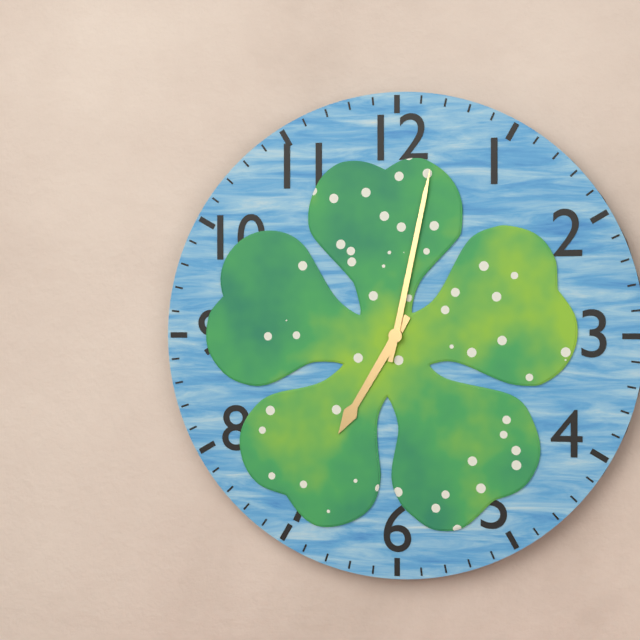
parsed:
7:02
